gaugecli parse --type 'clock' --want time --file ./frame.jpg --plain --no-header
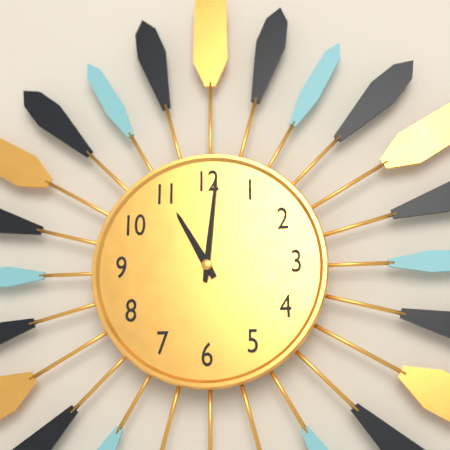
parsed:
11:01
